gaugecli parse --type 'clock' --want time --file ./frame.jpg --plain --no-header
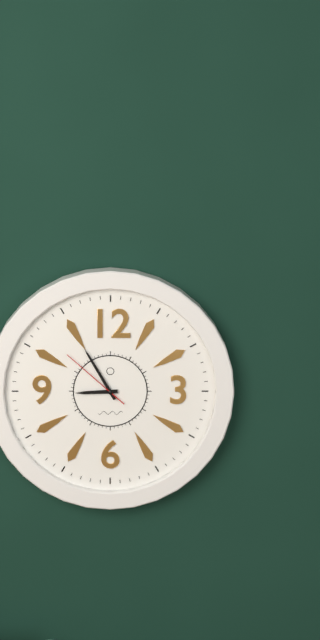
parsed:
8:55:52
